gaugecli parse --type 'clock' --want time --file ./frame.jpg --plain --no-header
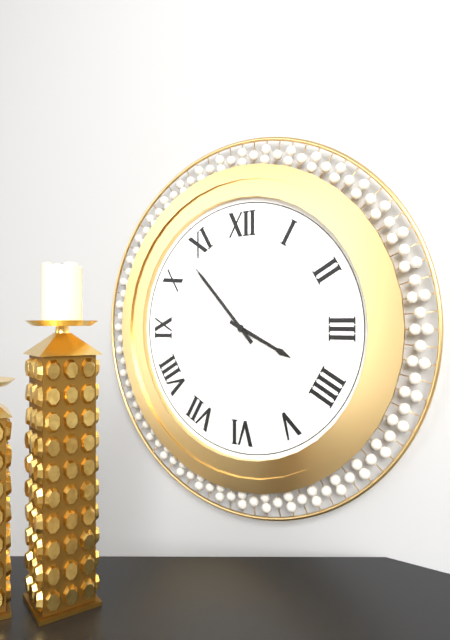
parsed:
3:53
